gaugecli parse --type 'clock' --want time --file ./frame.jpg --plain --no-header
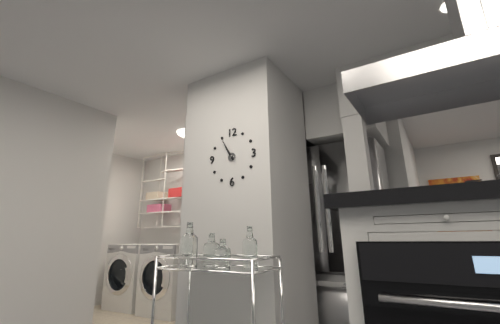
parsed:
10:55
